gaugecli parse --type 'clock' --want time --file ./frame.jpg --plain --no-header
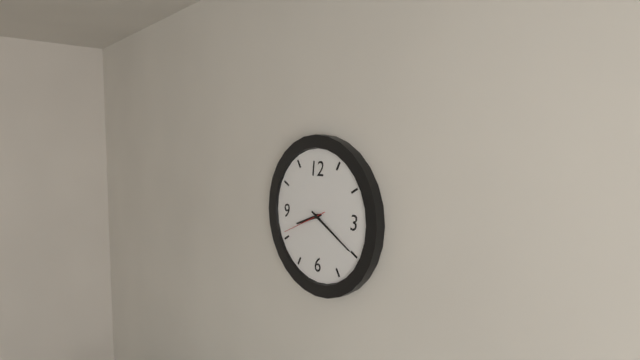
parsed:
8:20
